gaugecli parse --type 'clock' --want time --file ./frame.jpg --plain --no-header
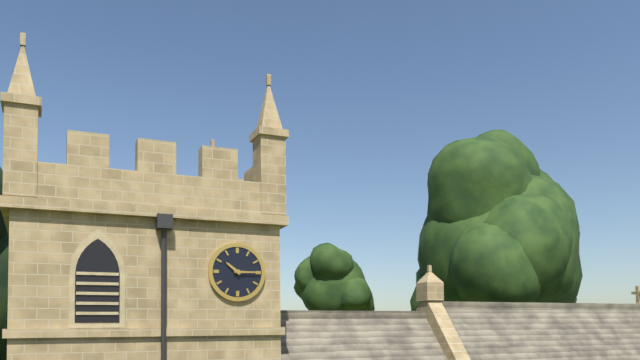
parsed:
10:15
